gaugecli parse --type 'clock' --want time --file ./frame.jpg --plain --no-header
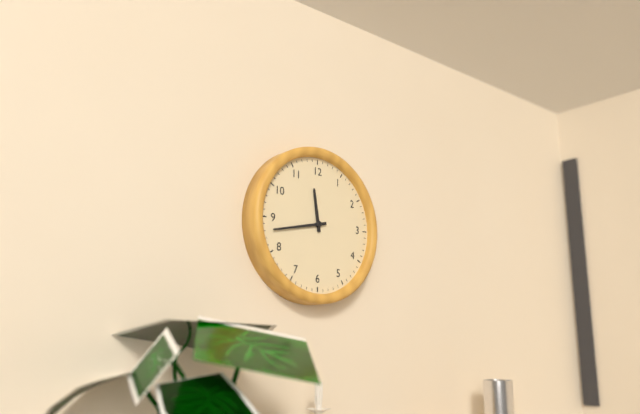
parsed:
11:43
